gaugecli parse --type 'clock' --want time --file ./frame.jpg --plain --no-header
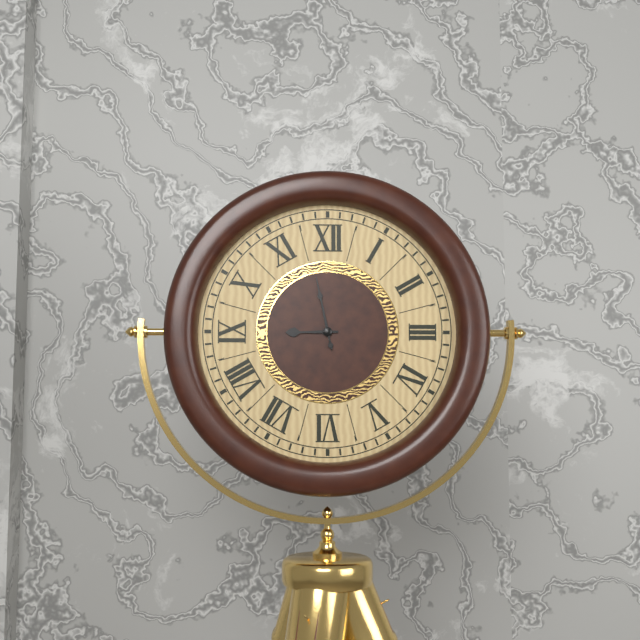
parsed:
8:58
